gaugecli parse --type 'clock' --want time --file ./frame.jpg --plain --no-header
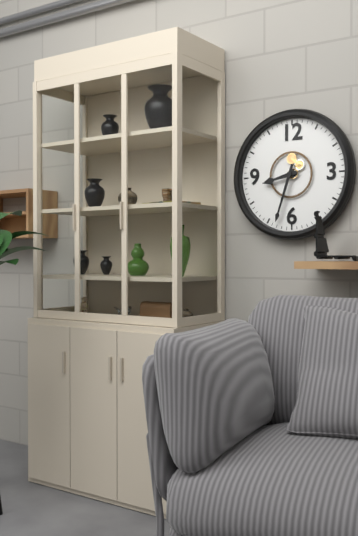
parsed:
8:33
